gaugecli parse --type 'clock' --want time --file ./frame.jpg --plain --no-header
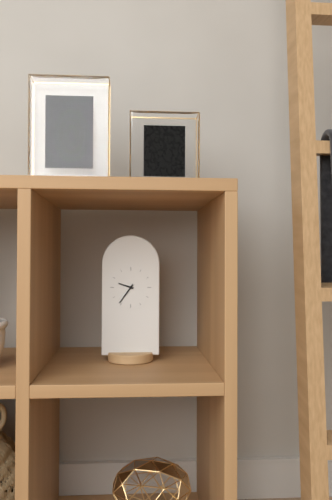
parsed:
9:36
